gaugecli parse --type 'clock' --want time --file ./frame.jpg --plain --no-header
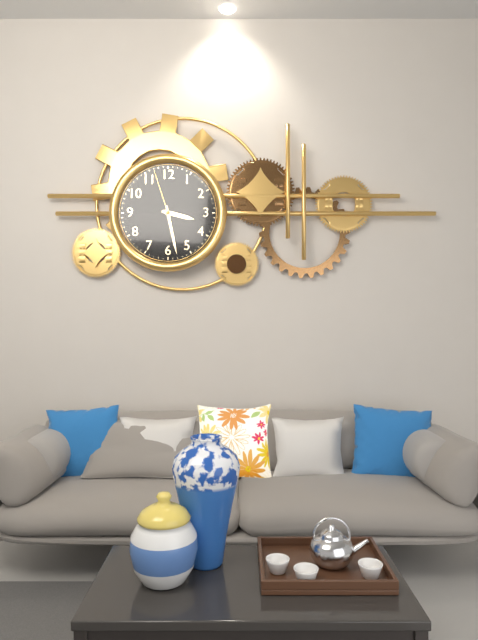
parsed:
3:28:57
